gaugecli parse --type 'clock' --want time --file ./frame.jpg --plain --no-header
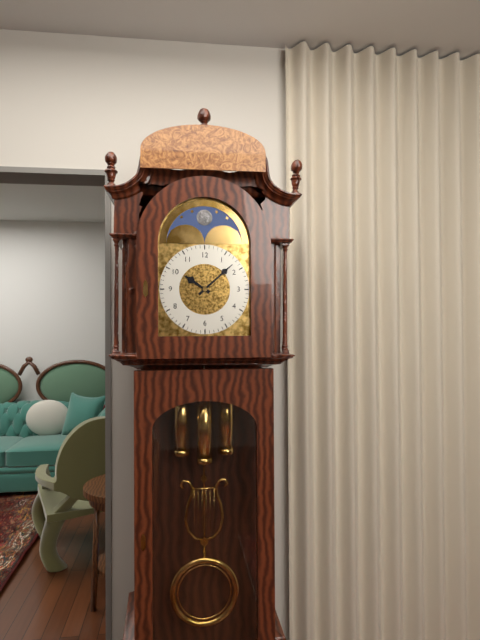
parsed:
10:08
